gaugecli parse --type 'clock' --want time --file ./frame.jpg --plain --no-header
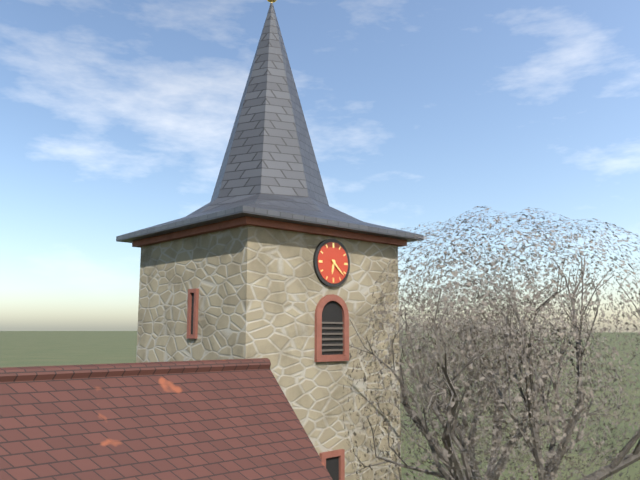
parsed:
6:22
